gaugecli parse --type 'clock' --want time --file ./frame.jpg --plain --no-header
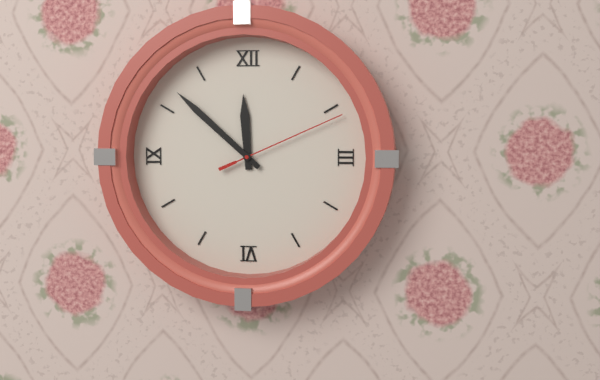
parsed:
11:52:11
